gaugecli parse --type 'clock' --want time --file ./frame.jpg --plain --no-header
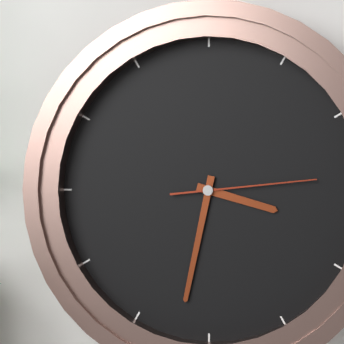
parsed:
3:32:14
